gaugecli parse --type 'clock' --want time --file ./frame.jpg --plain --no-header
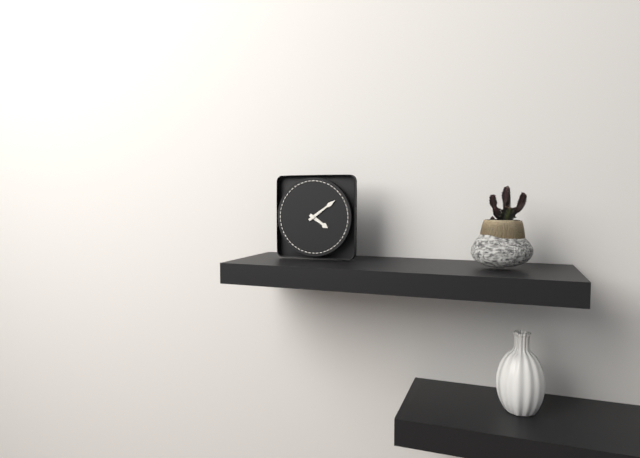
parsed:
4:09
